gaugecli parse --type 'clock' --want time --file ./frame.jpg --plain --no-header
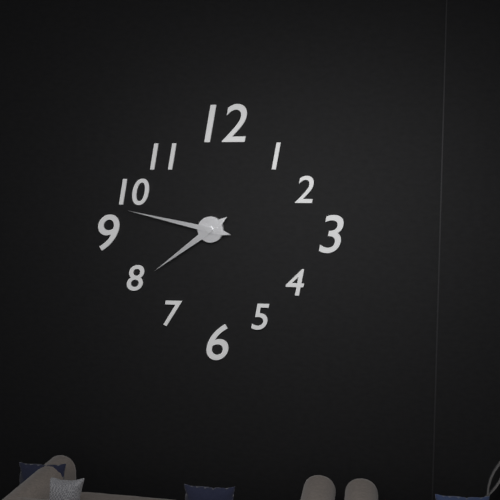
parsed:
7:47
